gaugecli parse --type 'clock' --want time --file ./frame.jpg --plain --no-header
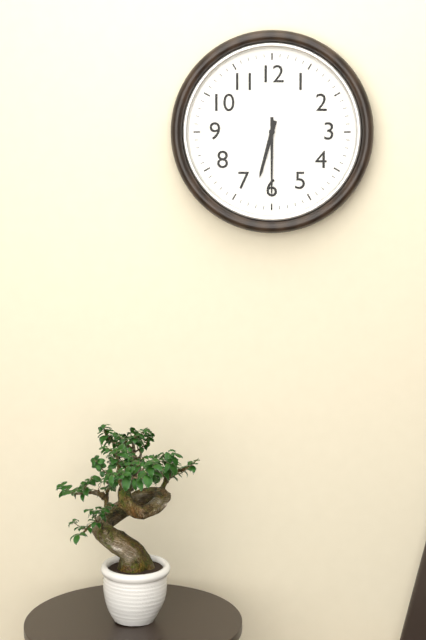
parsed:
6:30
